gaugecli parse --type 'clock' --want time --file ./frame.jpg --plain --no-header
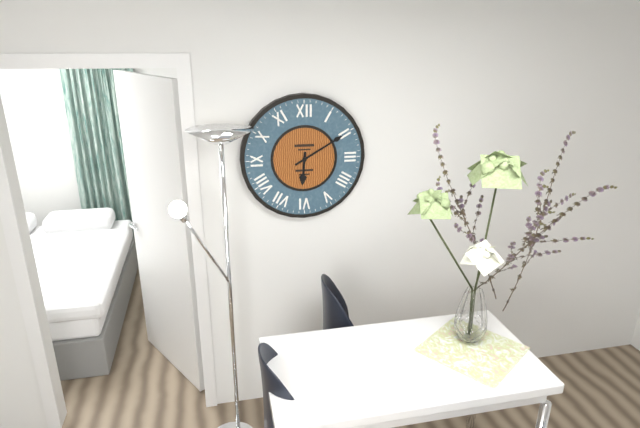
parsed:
6:10
